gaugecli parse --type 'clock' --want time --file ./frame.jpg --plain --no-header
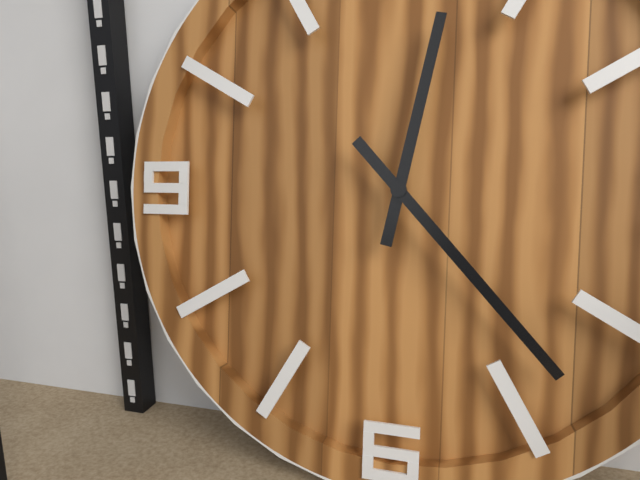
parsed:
12:23
